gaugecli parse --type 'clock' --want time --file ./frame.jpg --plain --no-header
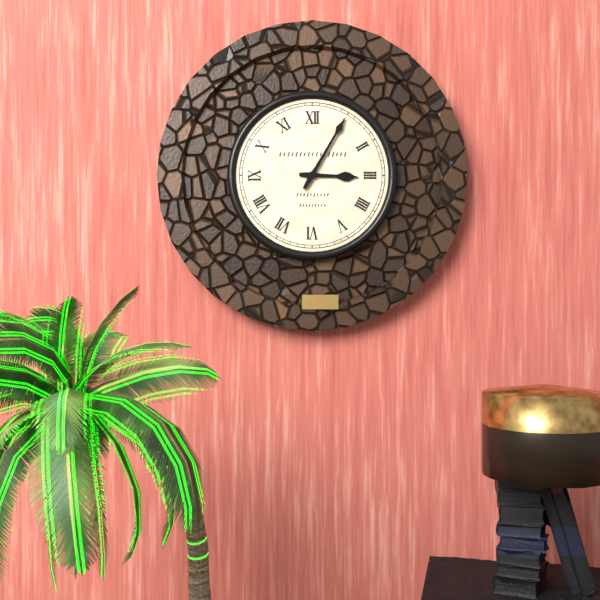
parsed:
3:05
